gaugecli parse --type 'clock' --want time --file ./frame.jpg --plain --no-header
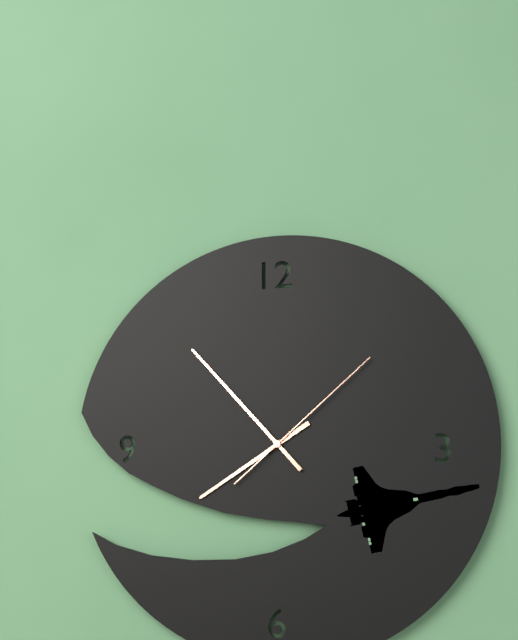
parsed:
7:53:08
